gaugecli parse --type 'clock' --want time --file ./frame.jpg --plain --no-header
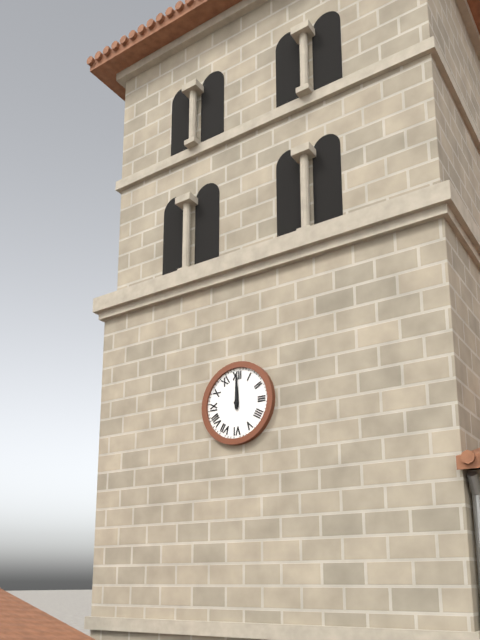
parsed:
12:00
